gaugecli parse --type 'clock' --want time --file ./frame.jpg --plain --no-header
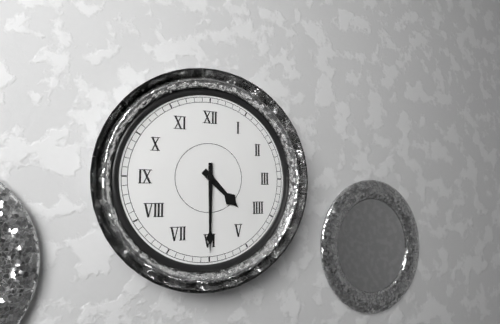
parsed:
4:30
